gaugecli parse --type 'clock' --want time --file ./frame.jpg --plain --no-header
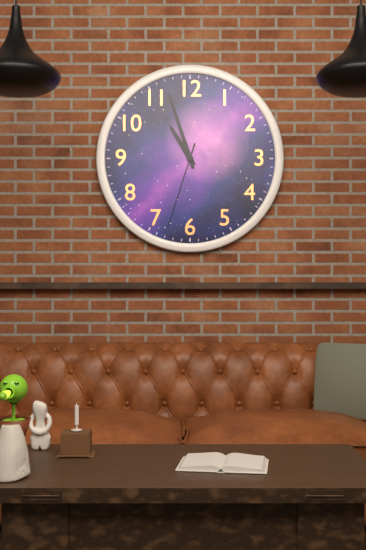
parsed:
10:57:33
